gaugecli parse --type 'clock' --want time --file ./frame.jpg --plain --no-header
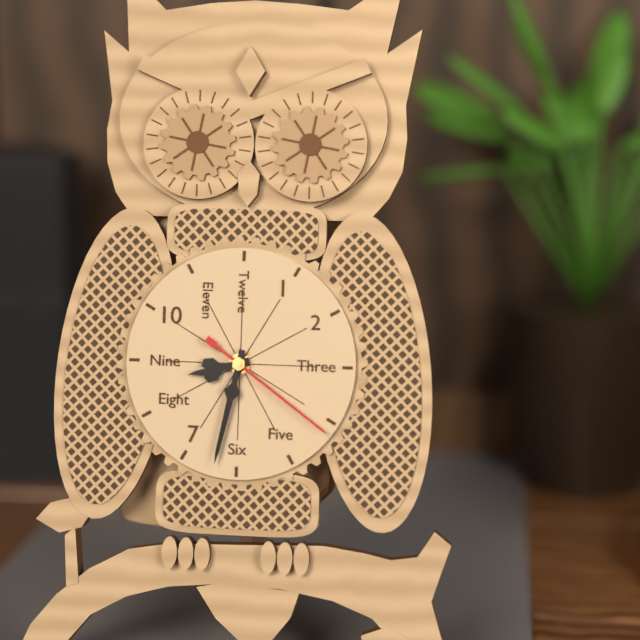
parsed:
8:32:21
